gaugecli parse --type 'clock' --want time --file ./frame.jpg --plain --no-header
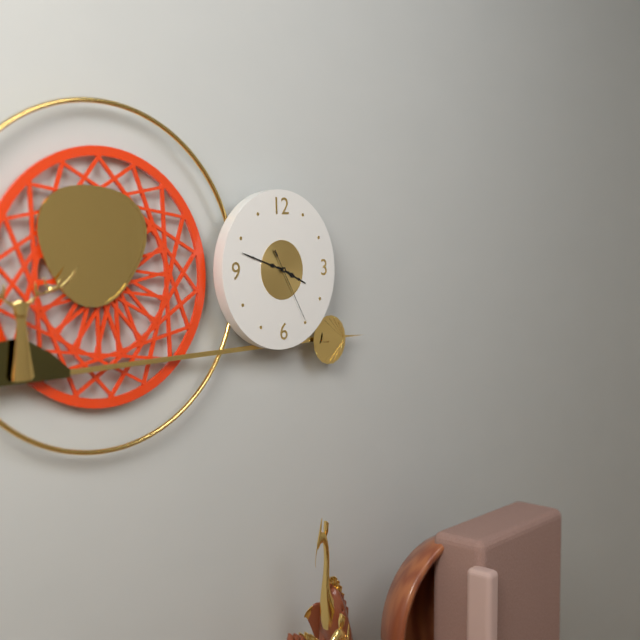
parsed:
3:48:25
